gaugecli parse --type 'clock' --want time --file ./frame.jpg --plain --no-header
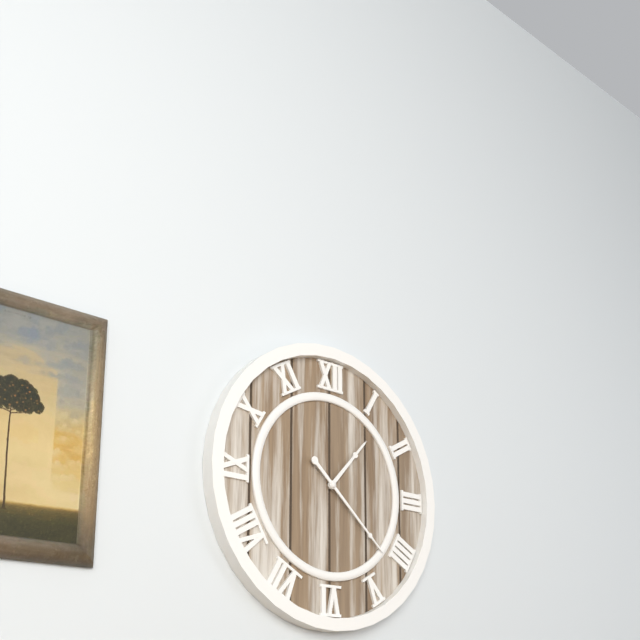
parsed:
1:22
